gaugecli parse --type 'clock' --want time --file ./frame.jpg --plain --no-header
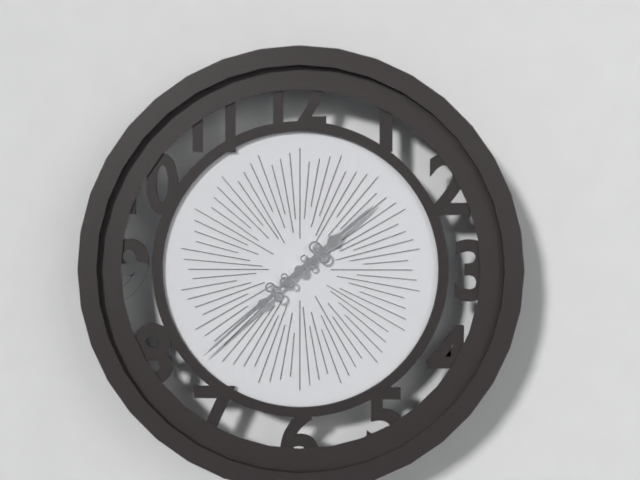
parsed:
1:38
